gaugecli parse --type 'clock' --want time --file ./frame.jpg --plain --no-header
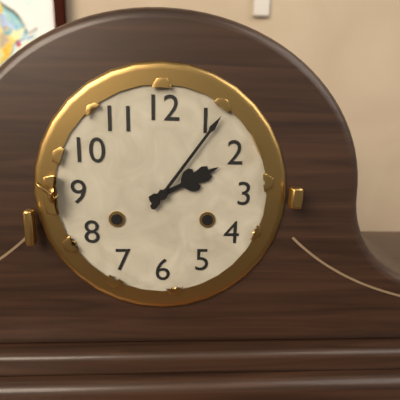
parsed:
2:06
